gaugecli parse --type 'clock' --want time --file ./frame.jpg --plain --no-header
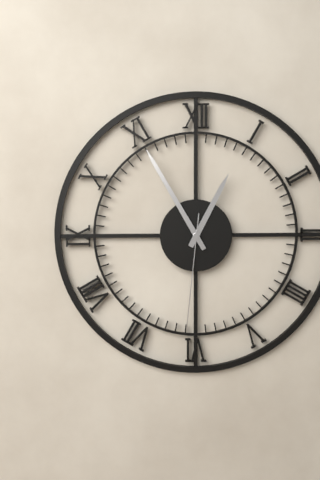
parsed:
12:55:31
